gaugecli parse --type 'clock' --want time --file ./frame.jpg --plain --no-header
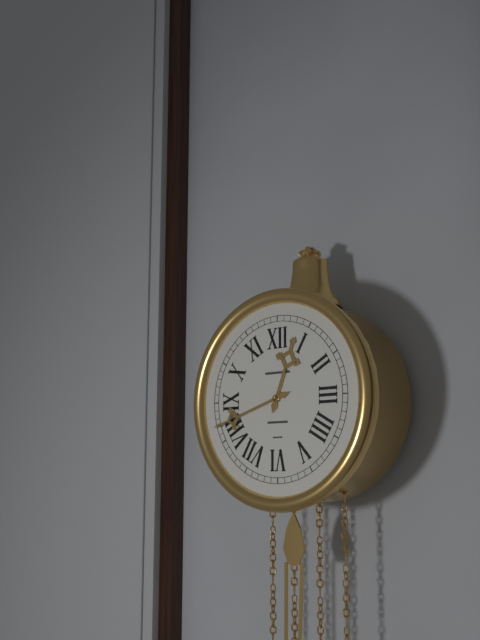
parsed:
12:42
